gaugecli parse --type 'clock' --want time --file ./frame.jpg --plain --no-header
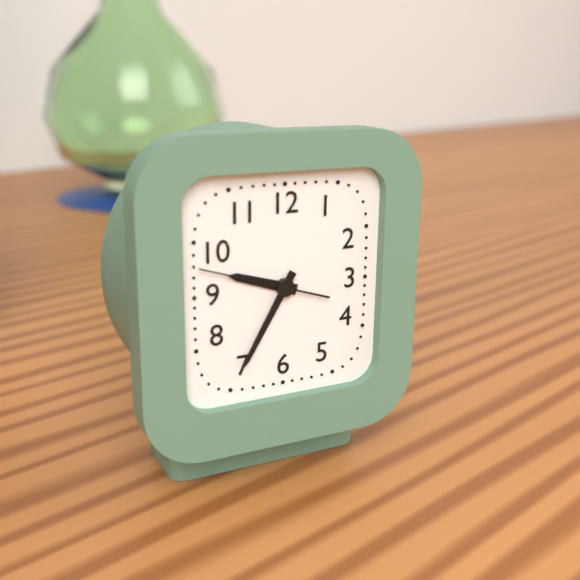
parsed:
9:35:48
